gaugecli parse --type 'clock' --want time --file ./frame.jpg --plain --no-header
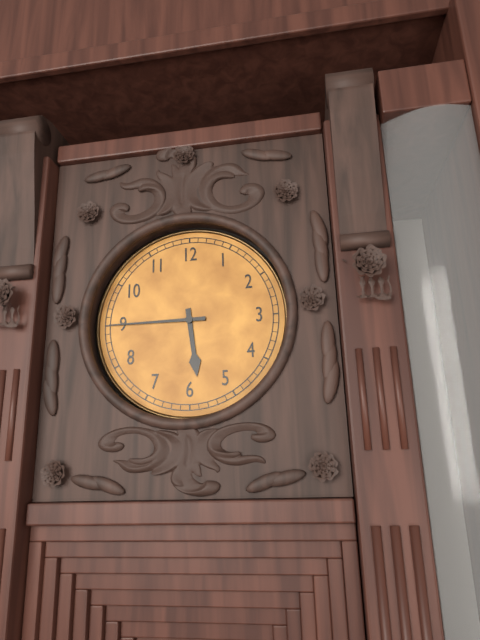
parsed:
5:45
